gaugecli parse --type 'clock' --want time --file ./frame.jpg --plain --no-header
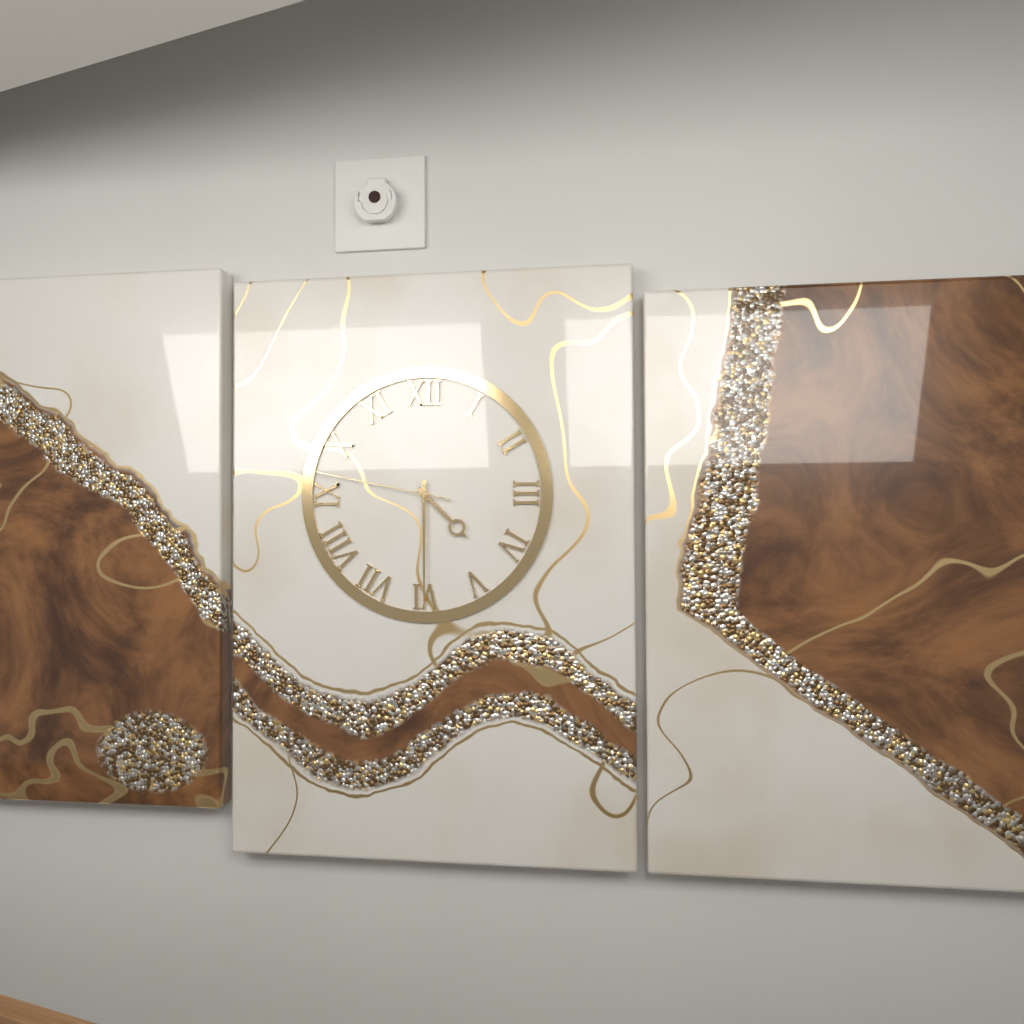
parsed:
4:30:47
